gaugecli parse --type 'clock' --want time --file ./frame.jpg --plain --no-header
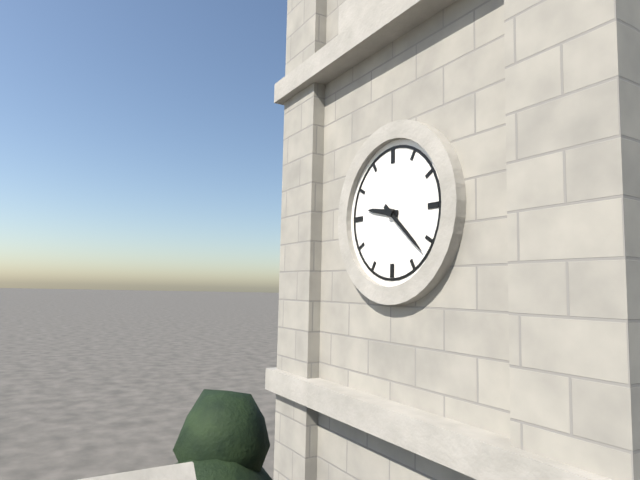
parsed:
9:22
